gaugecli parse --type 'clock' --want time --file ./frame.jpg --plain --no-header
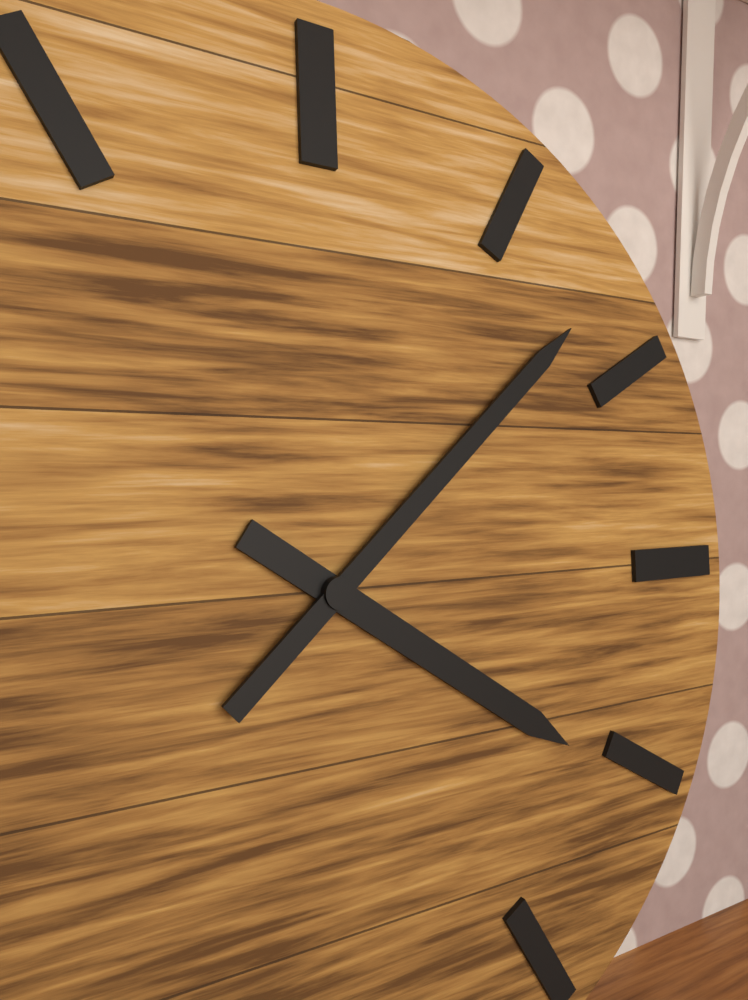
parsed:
4:08
